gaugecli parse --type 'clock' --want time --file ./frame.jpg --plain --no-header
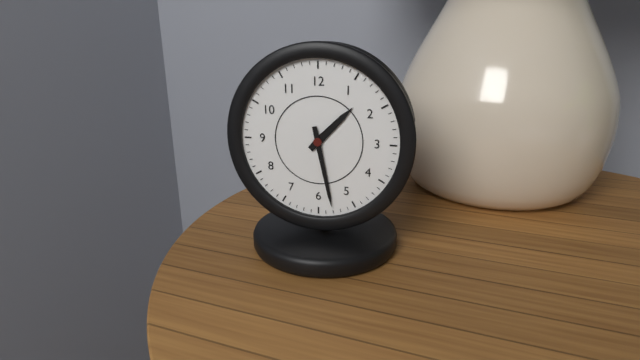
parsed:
1:28
